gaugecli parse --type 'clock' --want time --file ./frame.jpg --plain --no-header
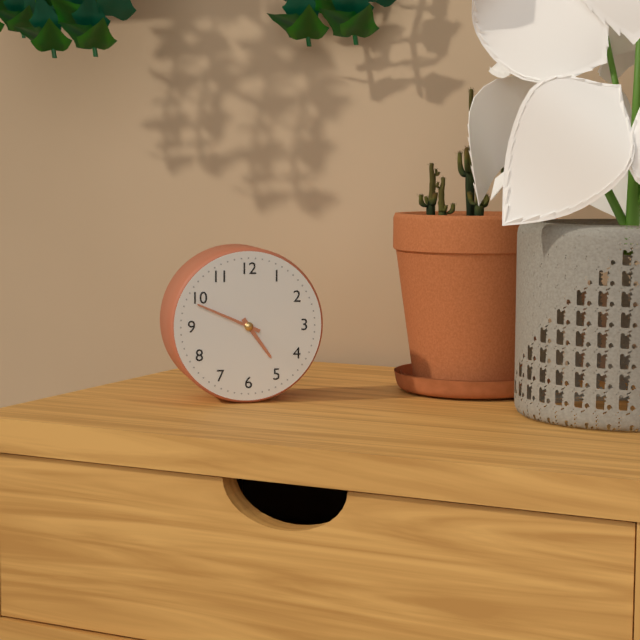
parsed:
4:49
